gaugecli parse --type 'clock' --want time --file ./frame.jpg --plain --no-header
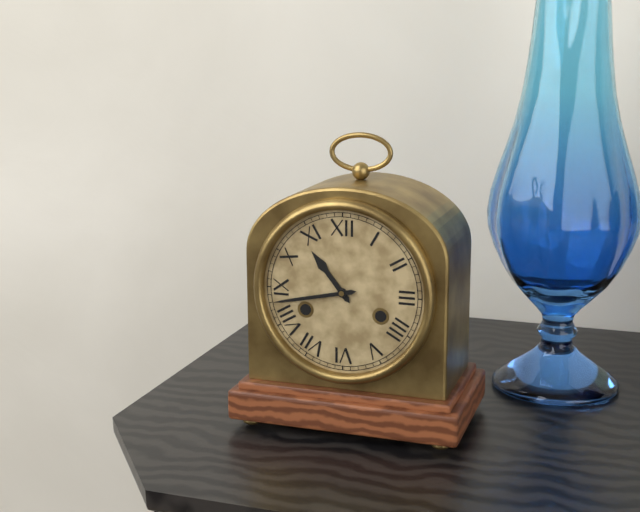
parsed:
10:43
